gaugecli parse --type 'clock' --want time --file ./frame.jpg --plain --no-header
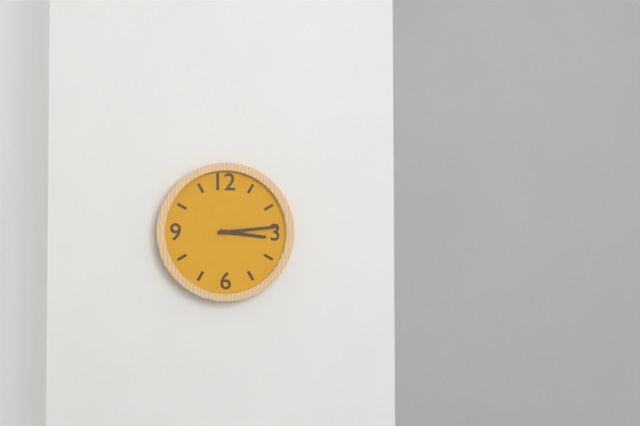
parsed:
3:14
